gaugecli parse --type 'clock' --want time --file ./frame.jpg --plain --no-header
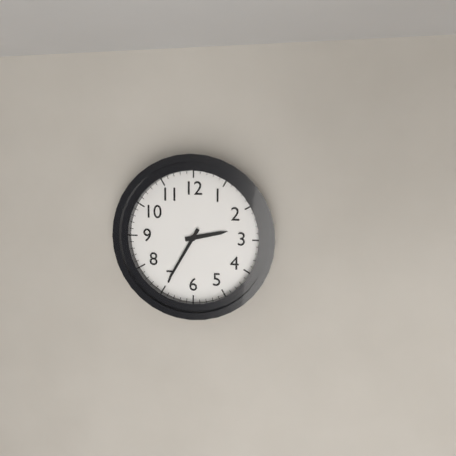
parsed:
2:35
